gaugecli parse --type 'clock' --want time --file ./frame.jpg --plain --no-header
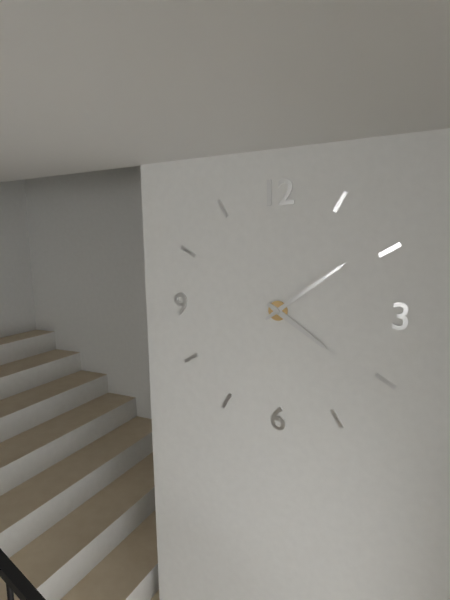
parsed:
4:09
